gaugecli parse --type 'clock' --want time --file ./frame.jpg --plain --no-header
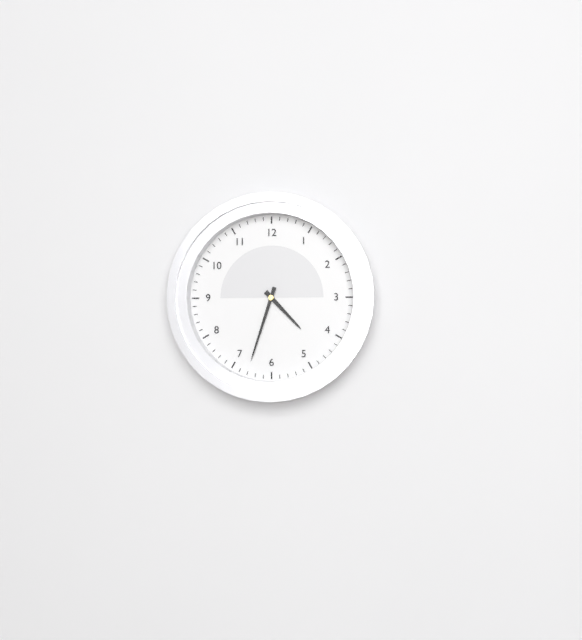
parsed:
4:33
